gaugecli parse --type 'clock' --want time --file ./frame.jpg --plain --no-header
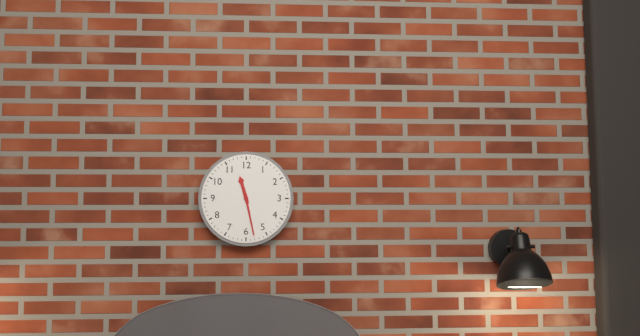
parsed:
11:28
